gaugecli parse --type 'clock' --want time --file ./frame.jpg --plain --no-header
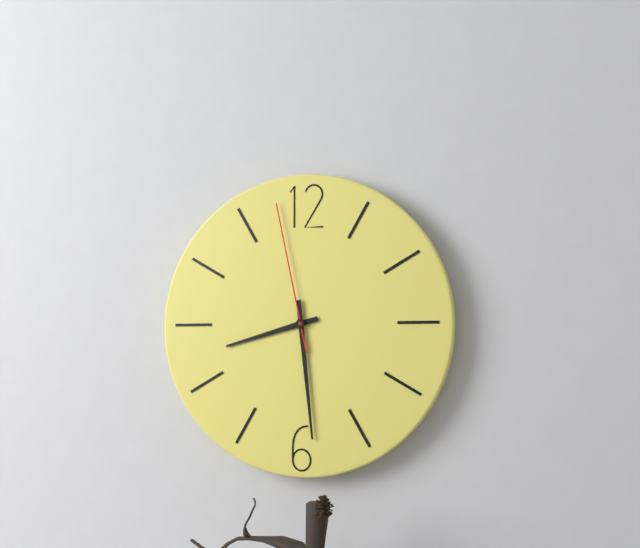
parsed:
8:29:58
